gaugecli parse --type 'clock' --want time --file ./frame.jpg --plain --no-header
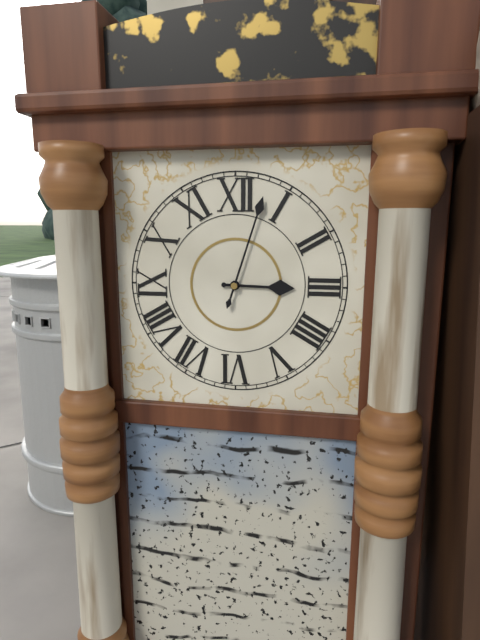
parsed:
3:03
